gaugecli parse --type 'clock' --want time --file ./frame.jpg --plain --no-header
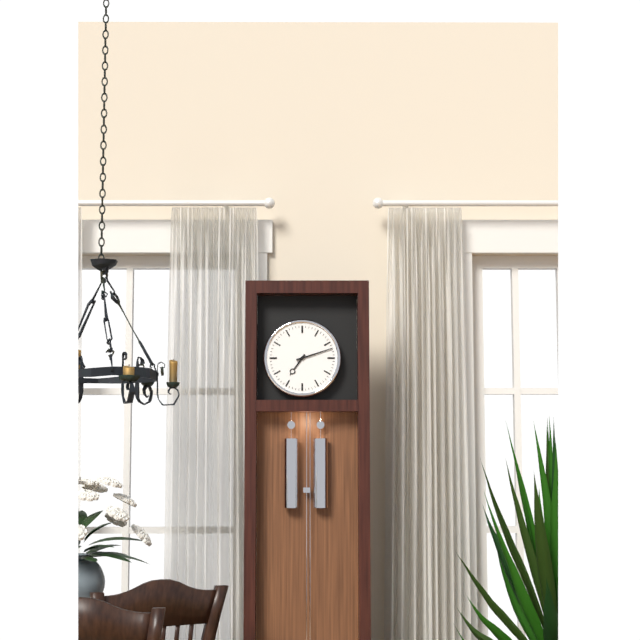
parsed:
7:12
